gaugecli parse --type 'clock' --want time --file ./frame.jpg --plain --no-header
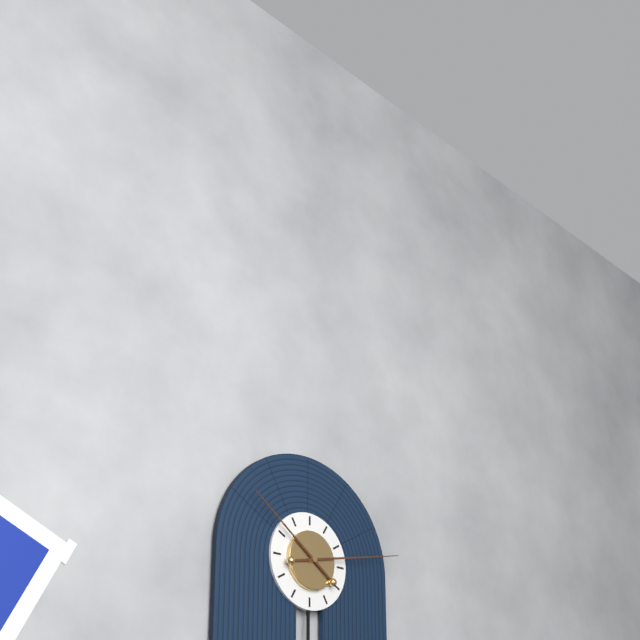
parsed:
10:13
